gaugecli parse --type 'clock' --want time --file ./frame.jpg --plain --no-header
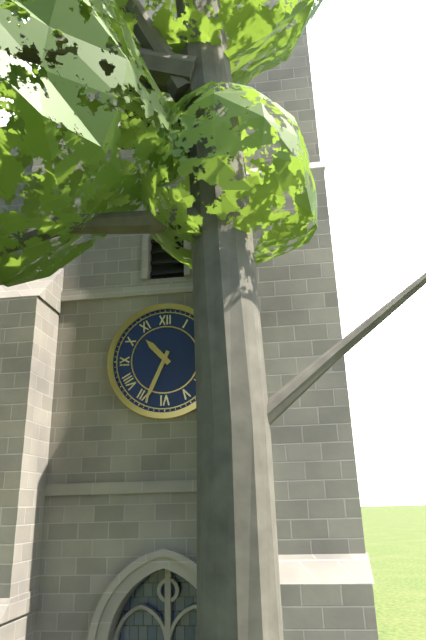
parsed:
10:34
